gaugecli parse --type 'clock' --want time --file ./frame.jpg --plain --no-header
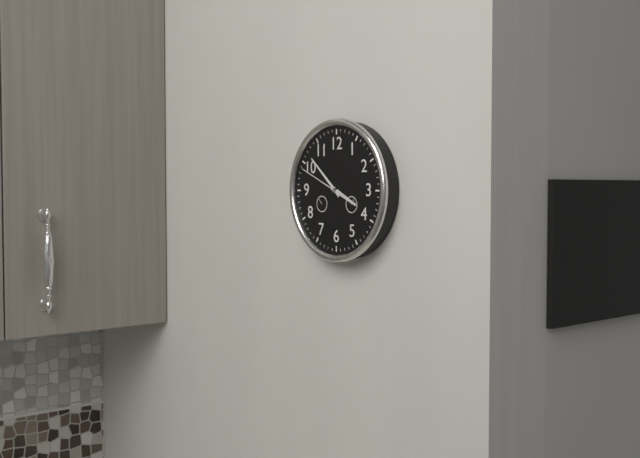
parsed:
3:52
